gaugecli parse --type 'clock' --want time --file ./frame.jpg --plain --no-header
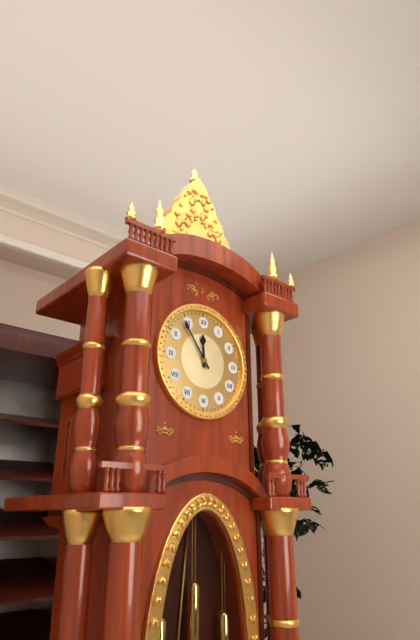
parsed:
11:54
